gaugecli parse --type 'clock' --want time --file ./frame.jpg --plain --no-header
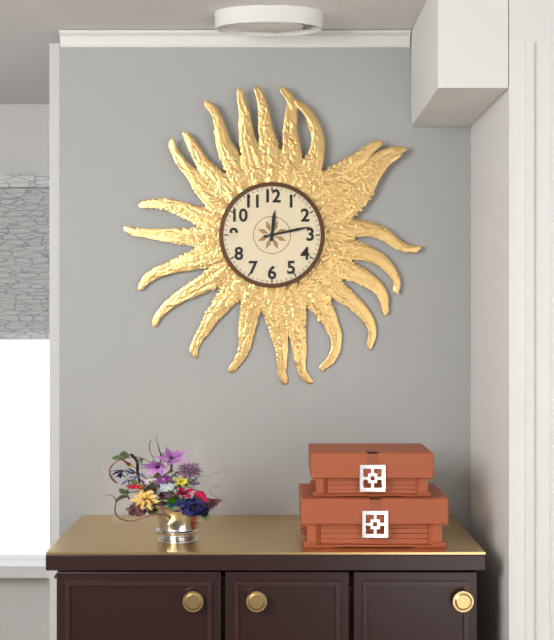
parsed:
12:13
